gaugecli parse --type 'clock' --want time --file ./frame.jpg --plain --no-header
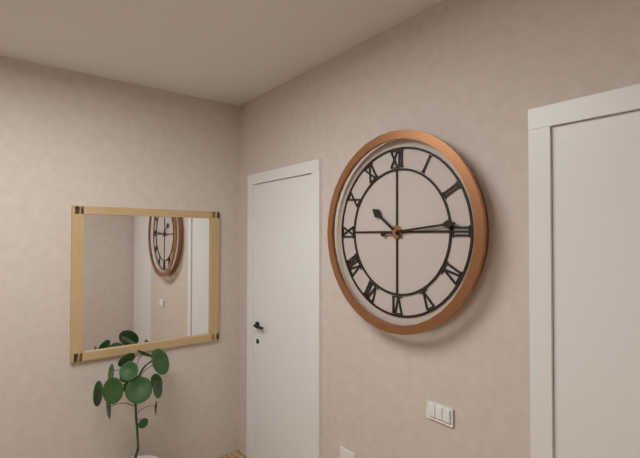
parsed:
10:14
